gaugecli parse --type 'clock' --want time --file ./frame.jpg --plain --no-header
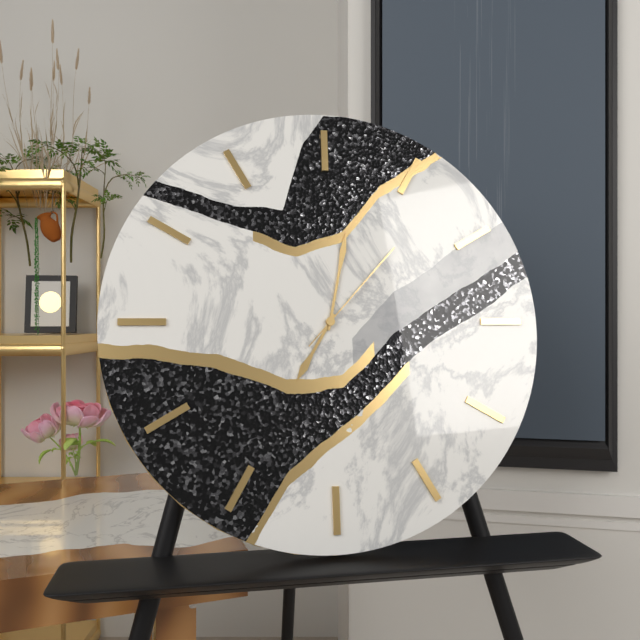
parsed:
7:02:07
